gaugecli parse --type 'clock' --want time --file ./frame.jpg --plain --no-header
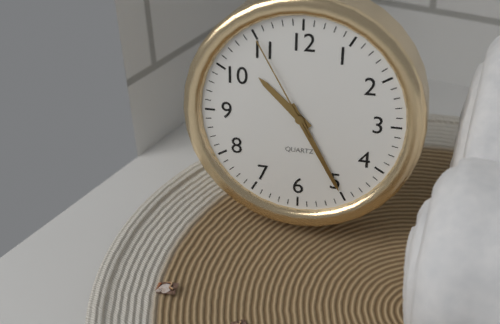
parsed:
10:25:55
